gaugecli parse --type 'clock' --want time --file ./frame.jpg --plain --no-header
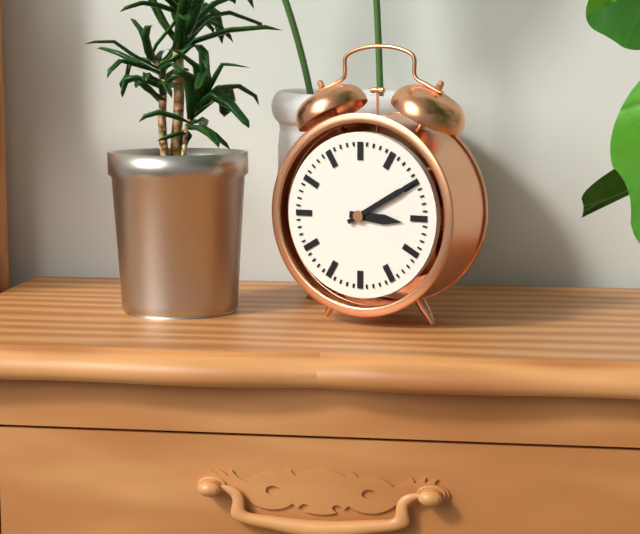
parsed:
3:10
